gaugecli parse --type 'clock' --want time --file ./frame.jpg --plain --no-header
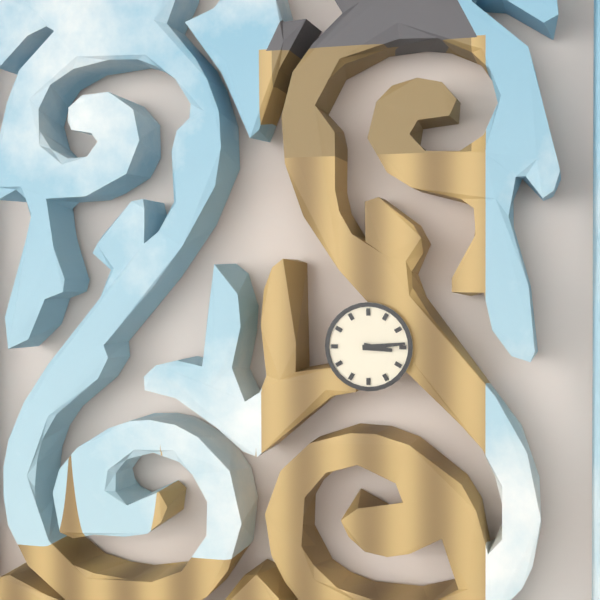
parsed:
3:14
